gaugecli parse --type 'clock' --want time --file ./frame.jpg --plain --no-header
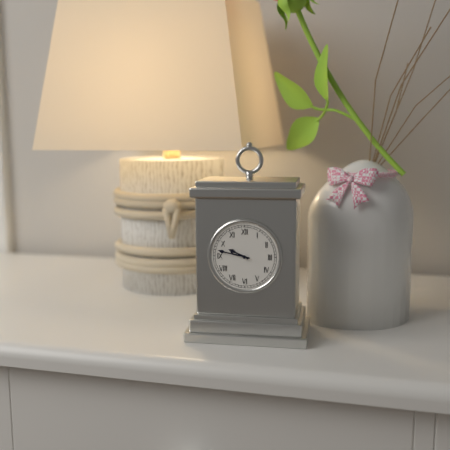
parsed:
9:47
